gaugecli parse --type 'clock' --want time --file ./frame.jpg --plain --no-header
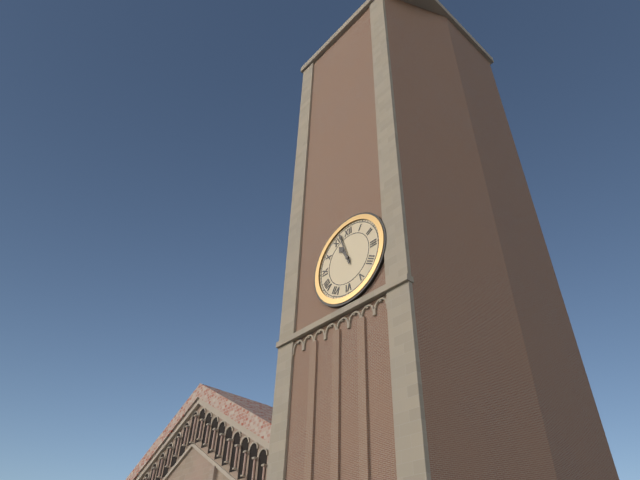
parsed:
10:57
